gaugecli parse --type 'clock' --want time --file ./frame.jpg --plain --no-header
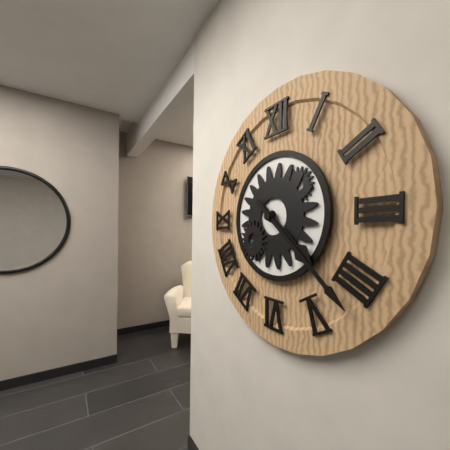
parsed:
4:22
